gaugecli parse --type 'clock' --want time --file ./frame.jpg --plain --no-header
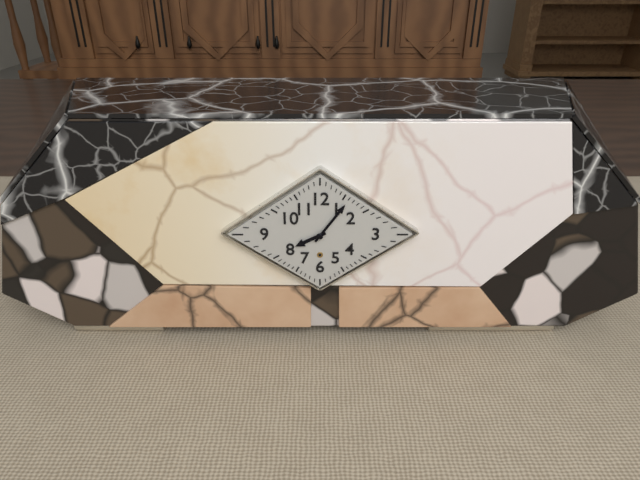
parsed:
8:06
